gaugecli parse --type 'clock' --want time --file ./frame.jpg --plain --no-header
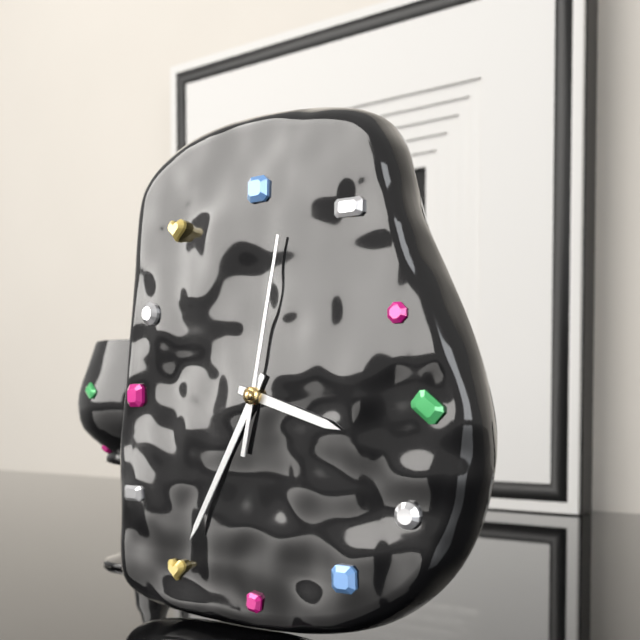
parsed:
3:35:02
